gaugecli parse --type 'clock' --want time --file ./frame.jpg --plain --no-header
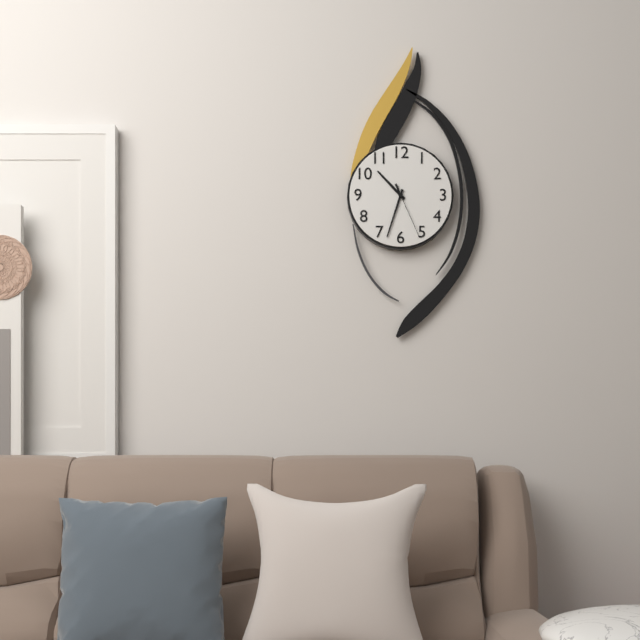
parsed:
10:33:26
